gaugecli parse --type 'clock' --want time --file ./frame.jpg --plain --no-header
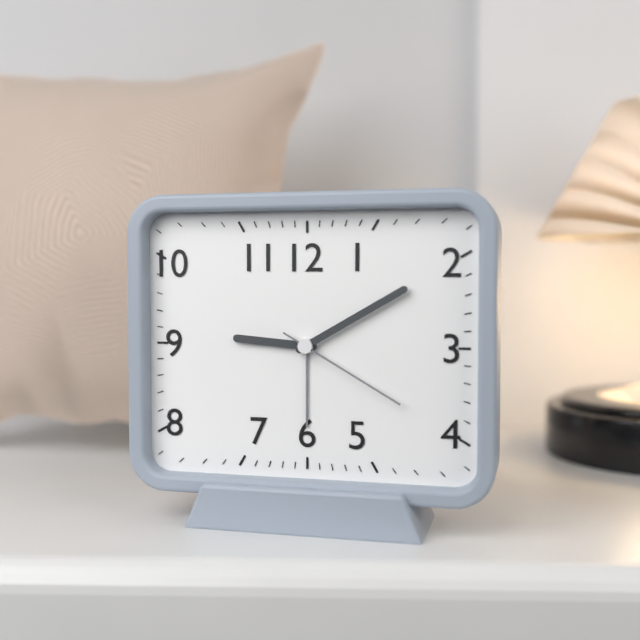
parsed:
9:10:20
